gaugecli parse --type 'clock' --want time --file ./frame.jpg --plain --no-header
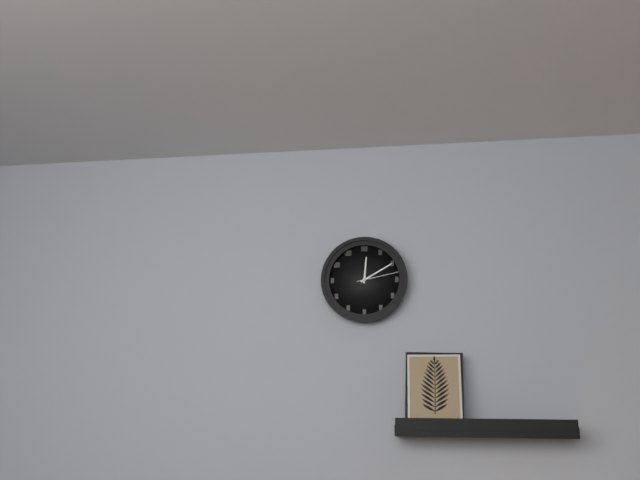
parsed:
12:10
